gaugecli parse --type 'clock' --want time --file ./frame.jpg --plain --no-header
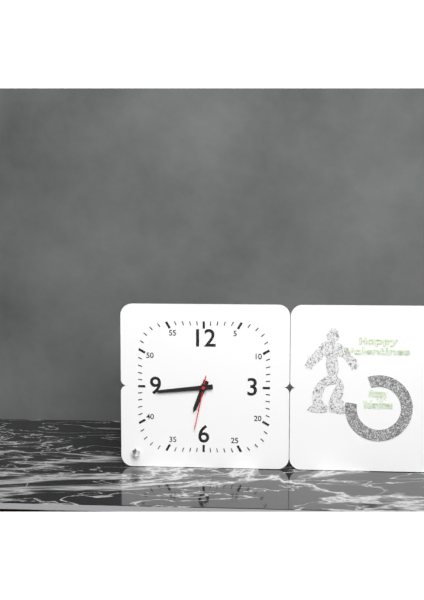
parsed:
6:44:32
